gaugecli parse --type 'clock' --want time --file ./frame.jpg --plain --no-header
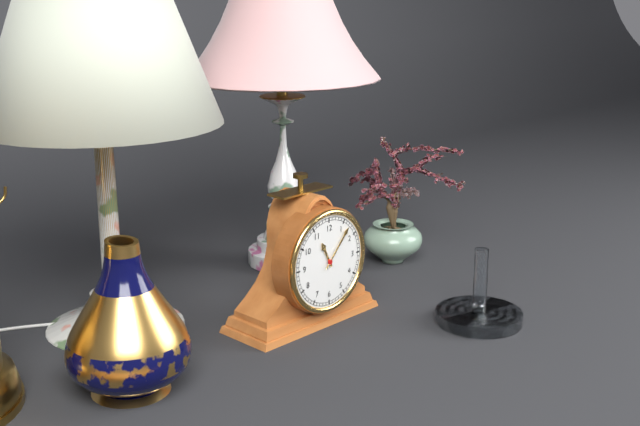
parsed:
11:07
